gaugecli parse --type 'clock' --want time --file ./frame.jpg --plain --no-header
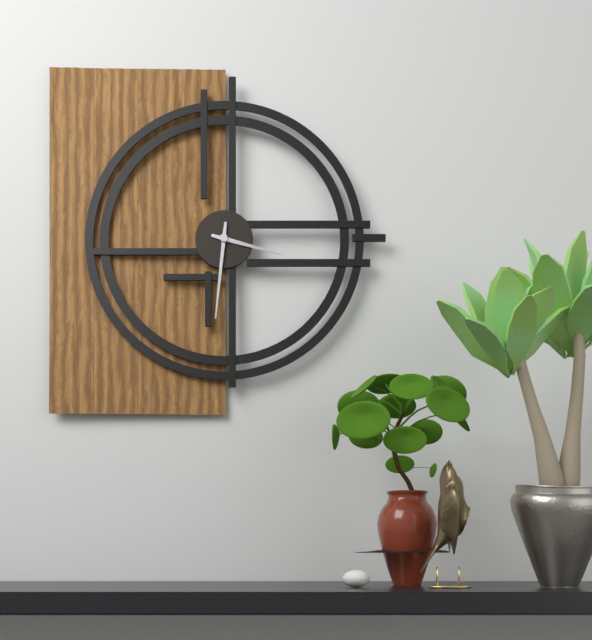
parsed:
3:31
